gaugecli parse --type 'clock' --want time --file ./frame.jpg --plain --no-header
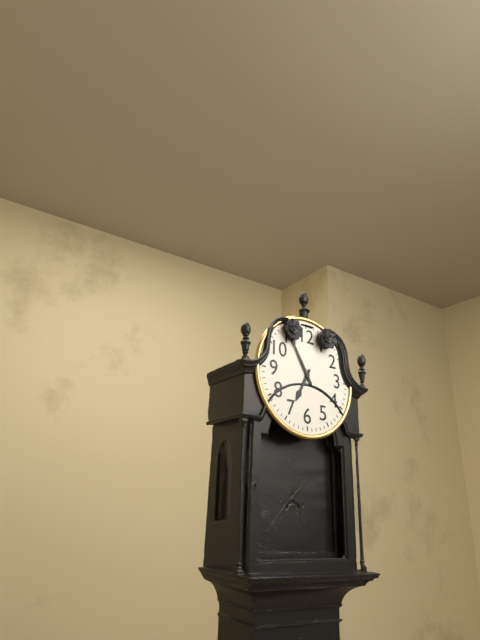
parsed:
6:55
